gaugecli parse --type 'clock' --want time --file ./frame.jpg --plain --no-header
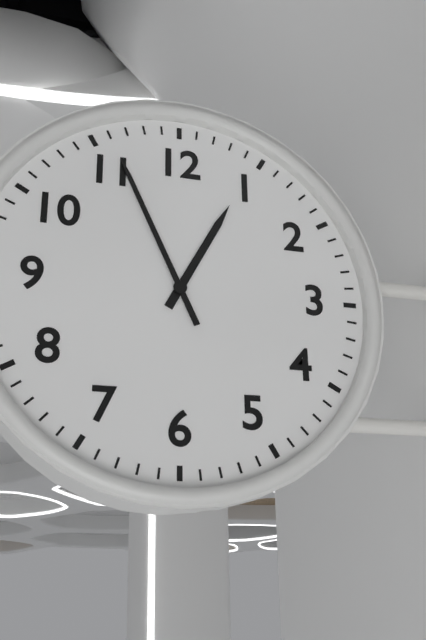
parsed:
12:56
